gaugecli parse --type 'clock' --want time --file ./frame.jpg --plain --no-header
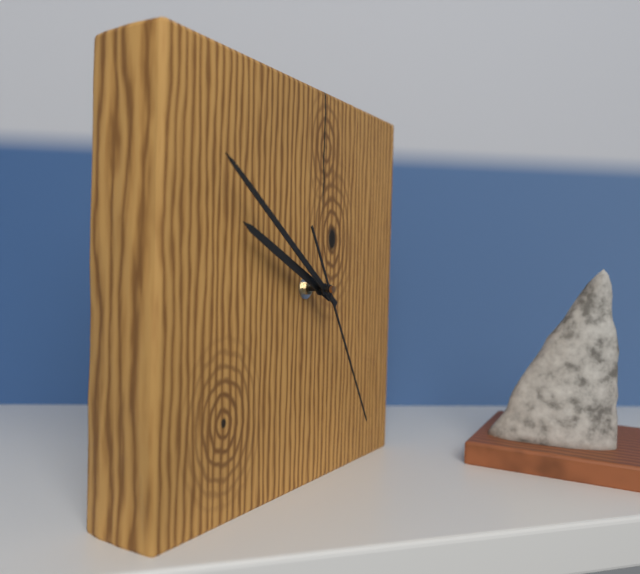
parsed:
9:51:25
